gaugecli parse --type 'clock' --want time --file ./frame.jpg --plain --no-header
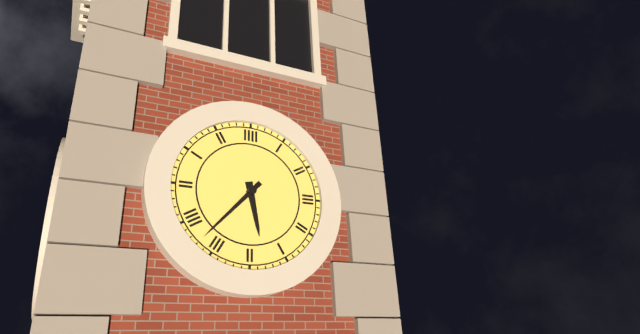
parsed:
5:37
